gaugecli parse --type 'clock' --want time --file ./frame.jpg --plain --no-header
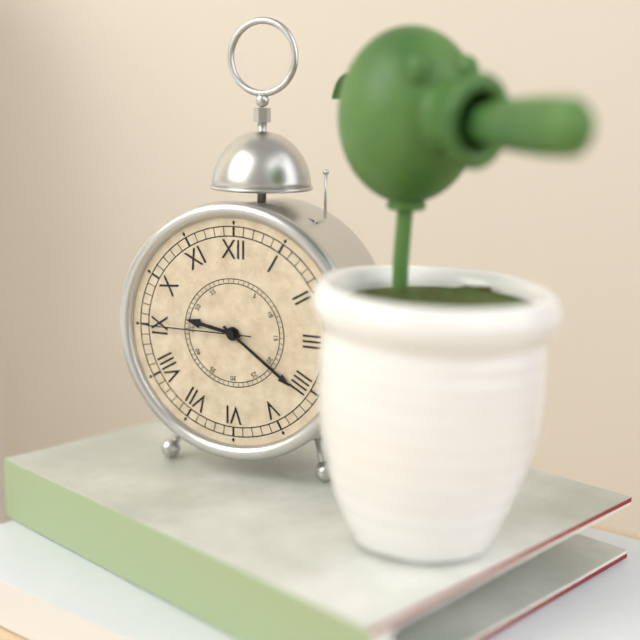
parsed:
9:21:45
